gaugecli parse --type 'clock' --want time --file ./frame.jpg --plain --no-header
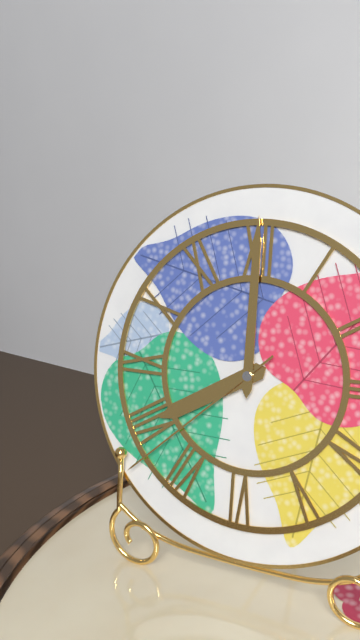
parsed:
8:00:38
